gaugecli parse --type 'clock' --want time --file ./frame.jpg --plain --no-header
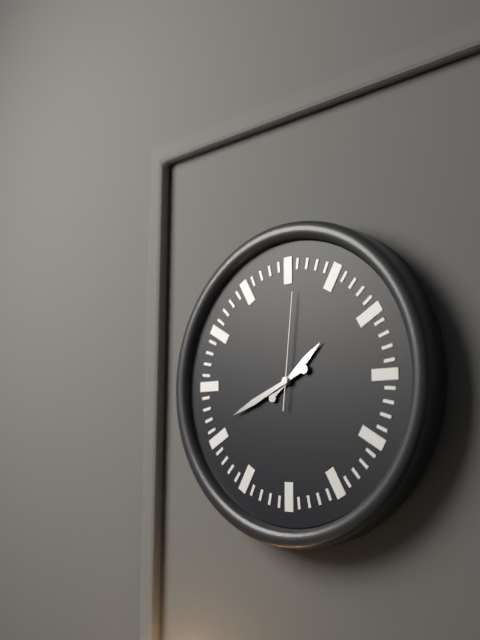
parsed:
1:41:01
